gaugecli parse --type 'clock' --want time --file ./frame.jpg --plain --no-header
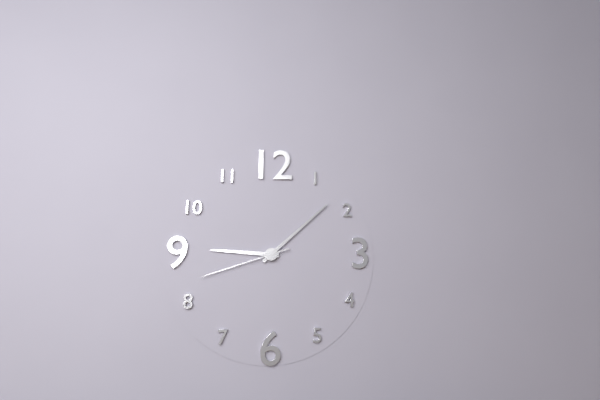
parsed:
9:08:42
